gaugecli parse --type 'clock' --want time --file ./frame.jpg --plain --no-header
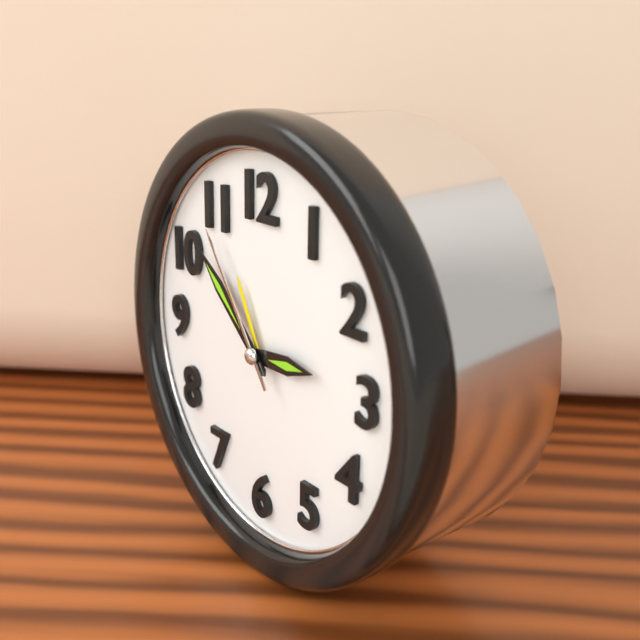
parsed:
2:52:54
